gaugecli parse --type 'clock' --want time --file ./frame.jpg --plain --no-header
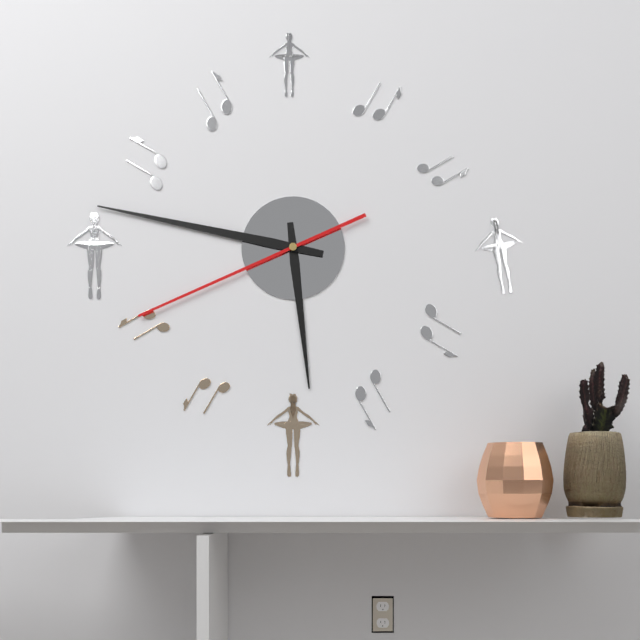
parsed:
5:47:41
